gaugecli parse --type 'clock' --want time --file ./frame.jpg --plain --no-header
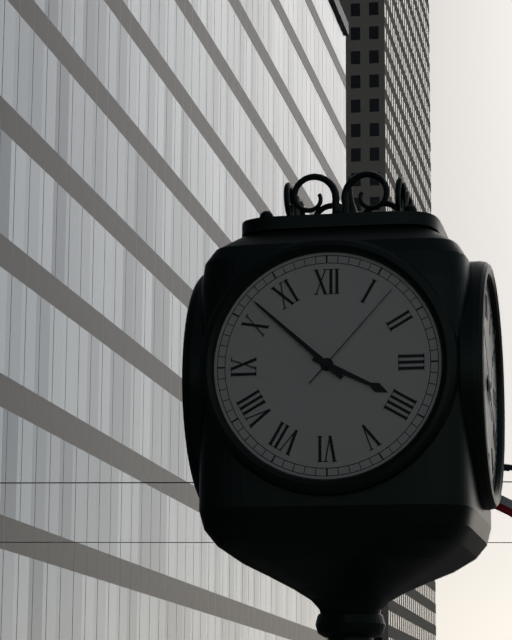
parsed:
3:52:07
